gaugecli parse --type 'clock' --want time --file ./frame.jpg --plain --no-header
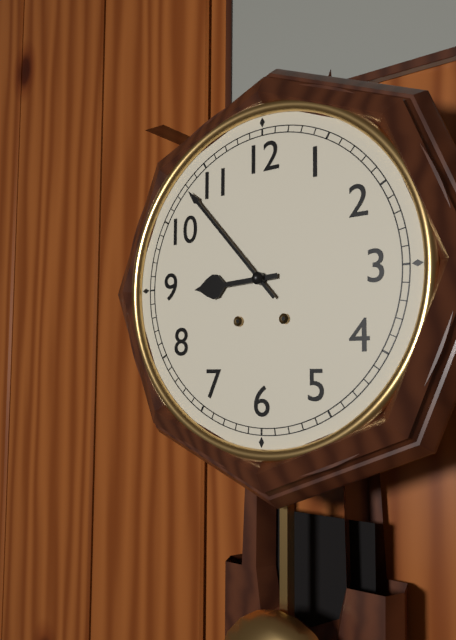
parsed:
8:53
